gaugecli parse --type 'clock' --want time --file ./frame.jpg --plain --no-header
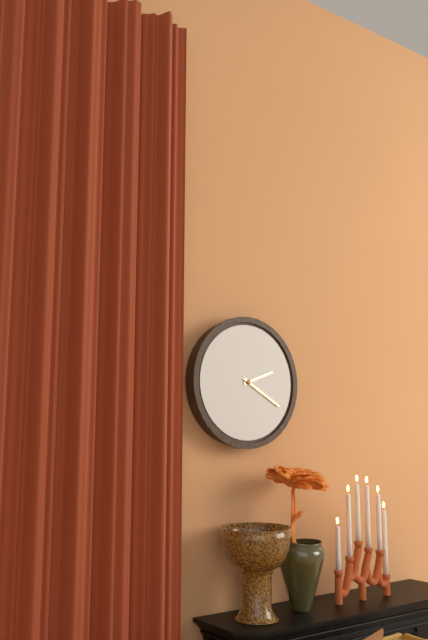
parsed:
2:20
